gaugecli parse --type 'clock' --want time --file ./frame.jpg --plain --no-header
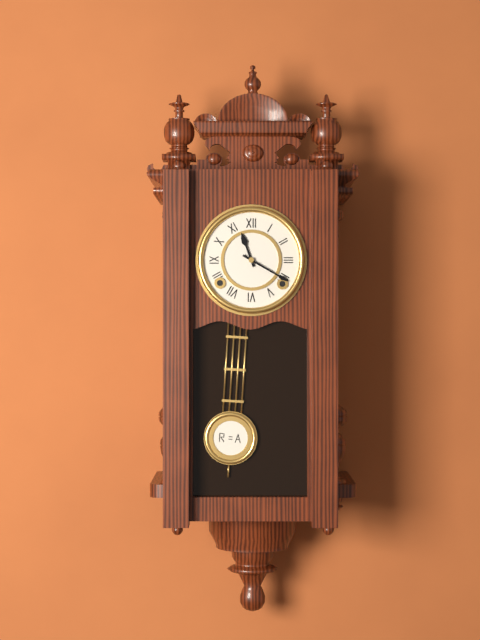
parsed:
11:20
